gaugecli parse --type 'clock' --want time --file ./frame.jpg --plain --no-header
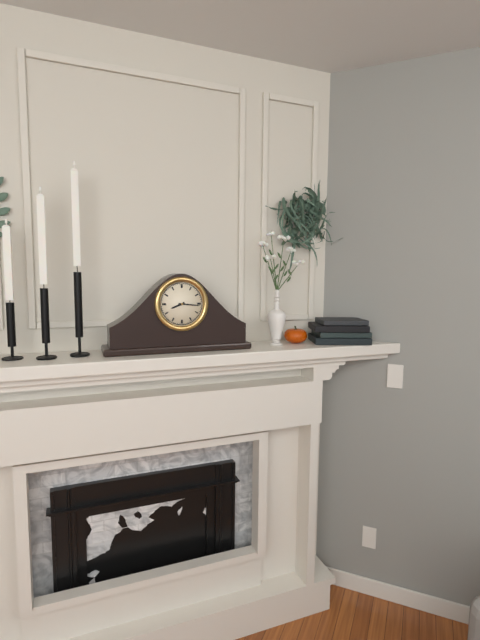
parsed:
8:16
